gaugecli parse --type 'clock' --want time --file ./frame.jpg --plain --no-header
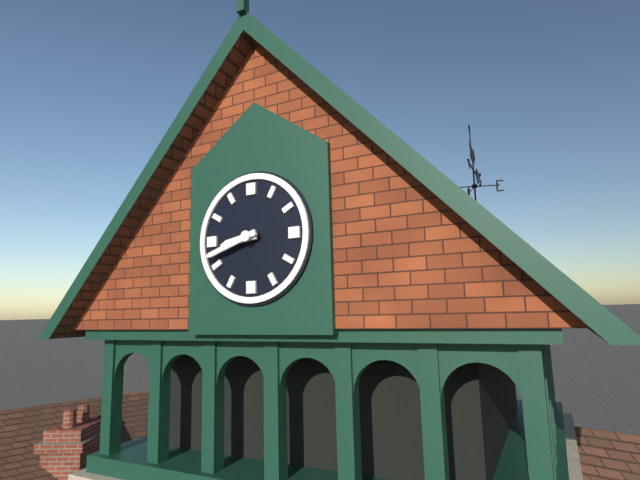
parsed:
8:42
